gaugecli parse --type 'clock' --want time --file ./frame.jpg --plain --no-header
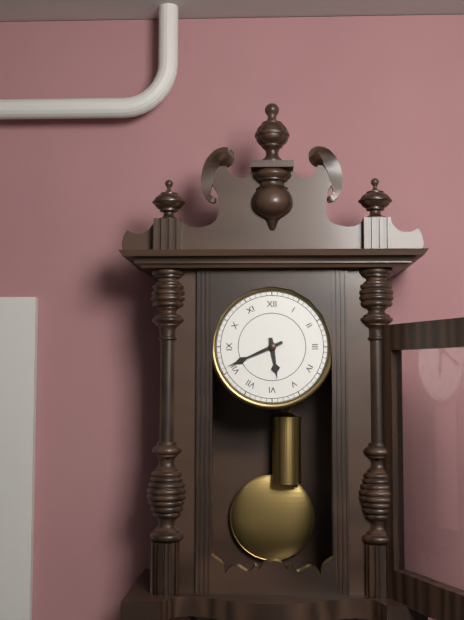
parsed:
5:41
